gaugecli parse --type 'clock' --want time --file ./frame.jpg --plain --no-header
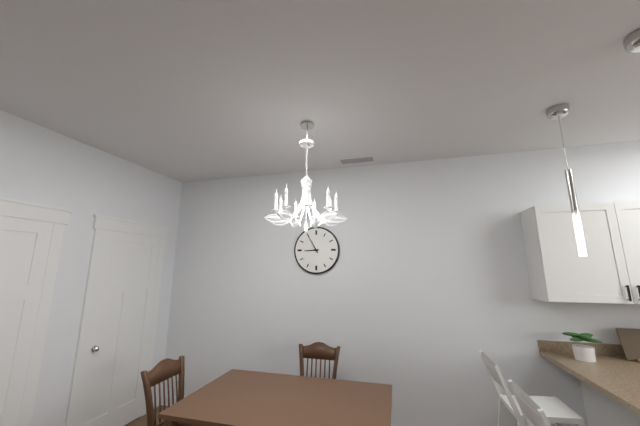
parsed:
8:55
